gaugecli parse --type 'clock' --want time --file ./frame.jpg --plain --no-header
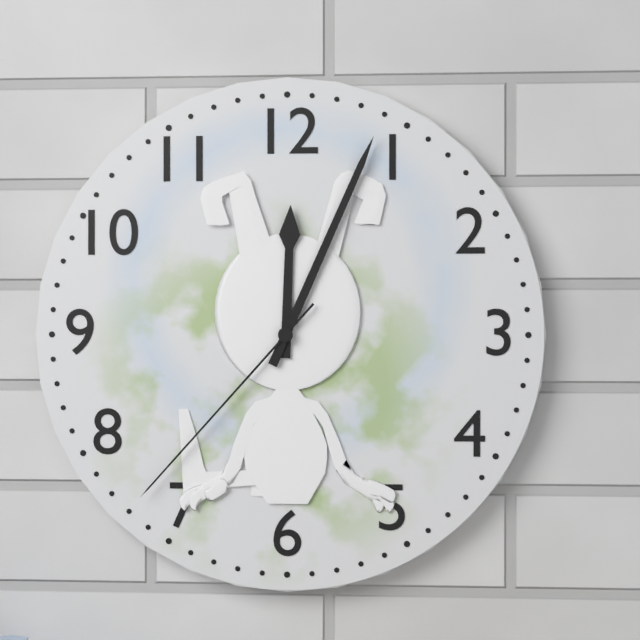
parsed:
12:04:37
